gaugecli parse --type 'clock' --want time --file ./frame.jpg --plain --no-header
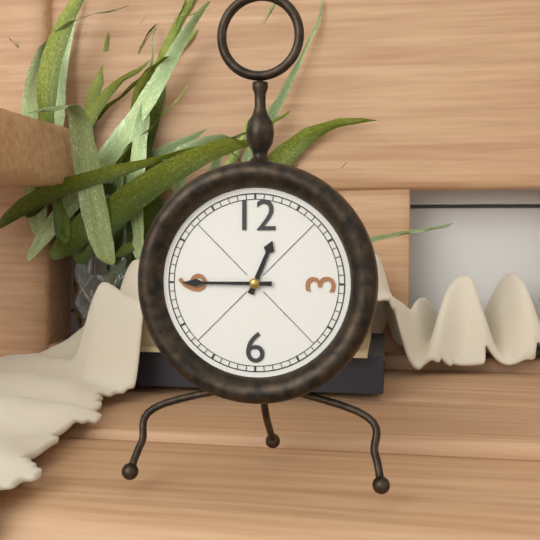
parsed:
12:45
